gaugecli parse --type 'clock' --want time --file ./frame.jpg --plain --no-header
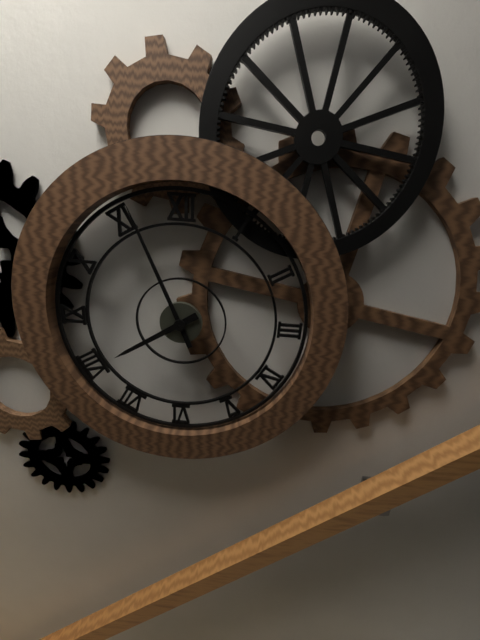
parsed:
7:56
